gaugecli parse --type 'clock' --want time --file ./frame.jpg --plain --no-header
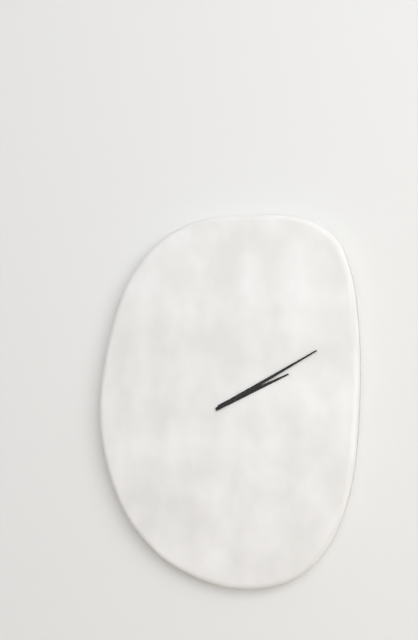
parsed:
2:10
